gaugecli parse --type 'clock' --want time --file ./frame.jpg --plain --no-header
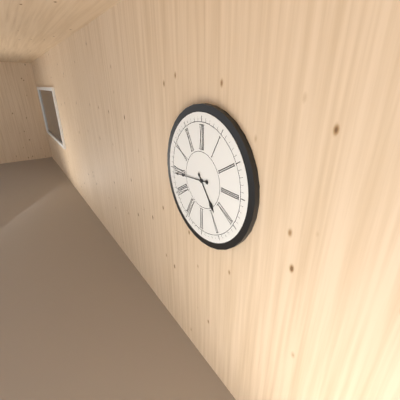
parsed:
4:44
